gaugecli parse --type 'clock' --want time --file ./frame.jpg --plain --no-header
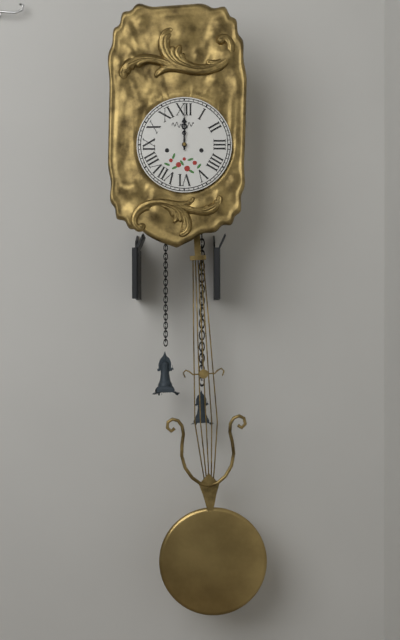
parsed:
12:00
